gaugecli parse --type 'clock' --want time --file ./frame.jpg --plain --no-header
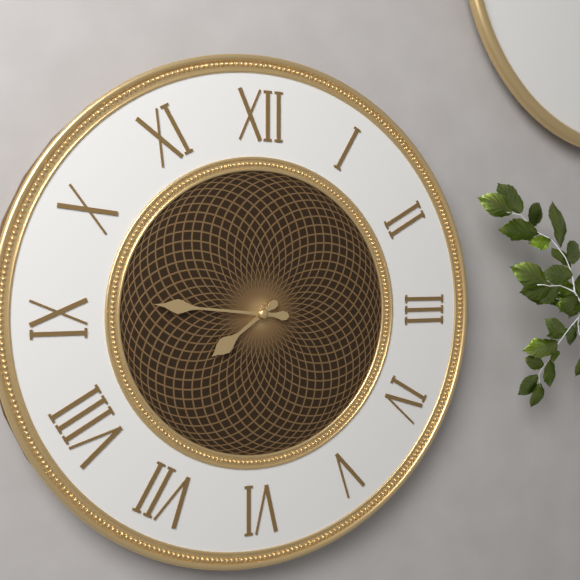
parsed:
7:46
